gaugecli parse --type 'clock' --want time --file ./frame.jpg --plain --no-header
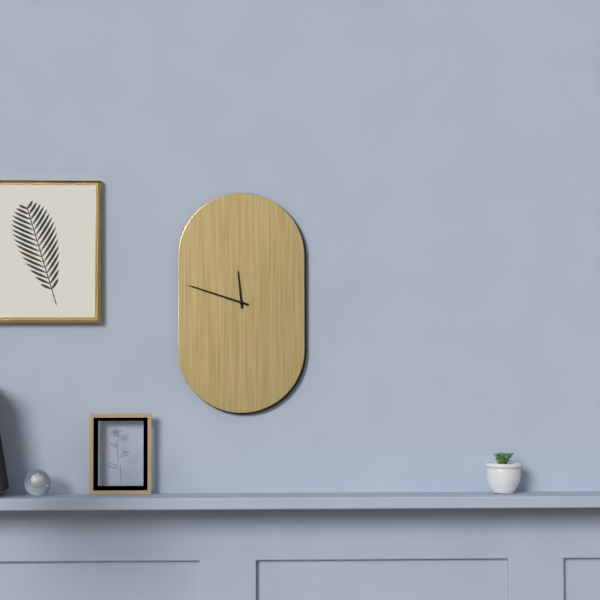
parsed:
11:48
